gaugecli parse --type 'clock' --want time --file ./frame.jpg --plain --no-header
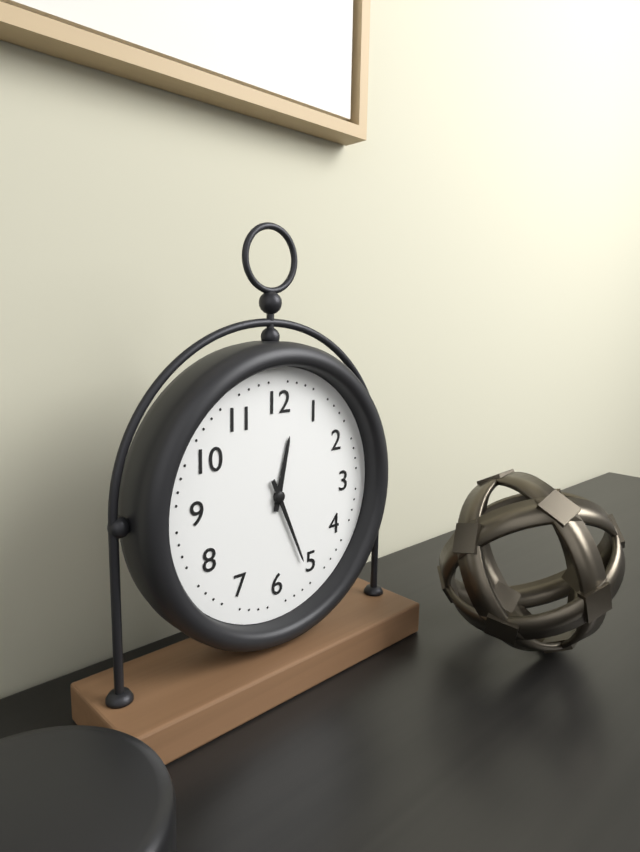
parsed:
12:26
